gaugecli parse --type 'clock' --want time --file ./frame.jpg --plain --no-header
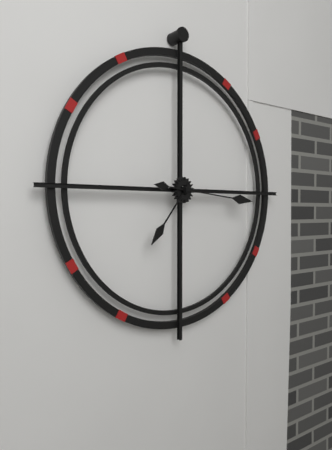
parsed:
7:16
